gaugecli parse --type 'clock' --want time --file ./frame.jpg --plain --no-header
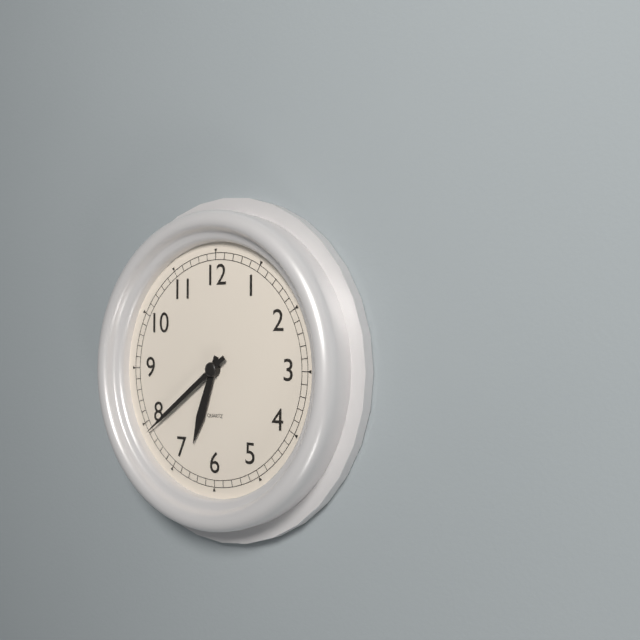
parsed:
6:39
